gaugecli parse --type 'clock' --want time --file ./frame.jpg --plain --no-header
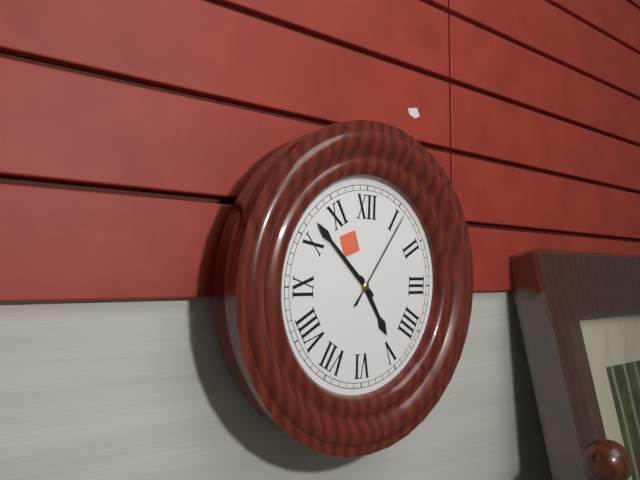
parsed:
4:52:06
